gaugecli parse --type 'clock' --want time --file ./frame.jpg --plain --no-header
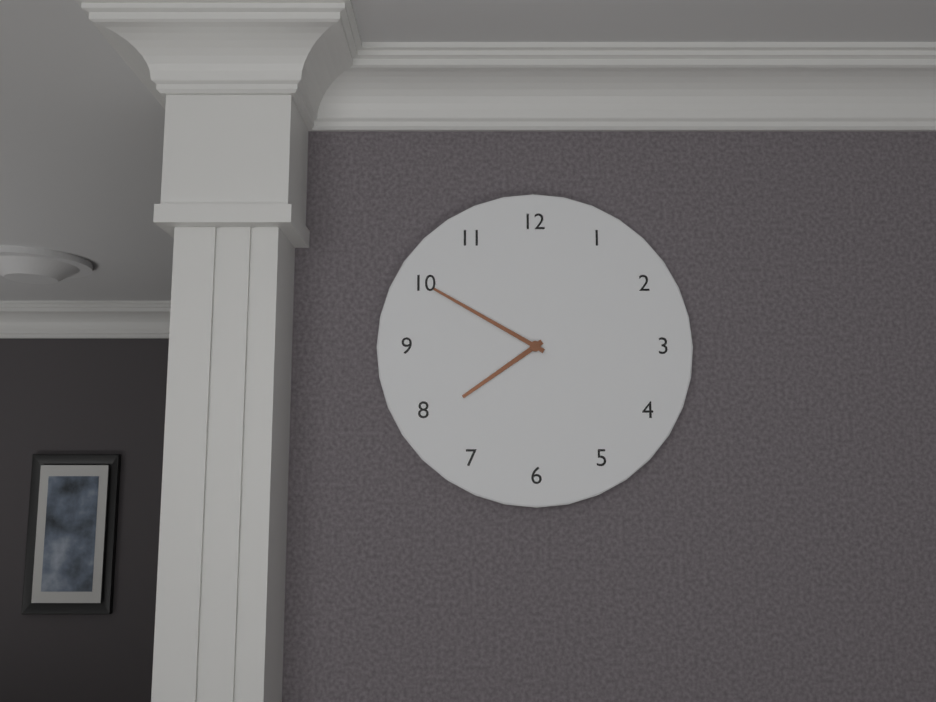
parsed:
7:50
